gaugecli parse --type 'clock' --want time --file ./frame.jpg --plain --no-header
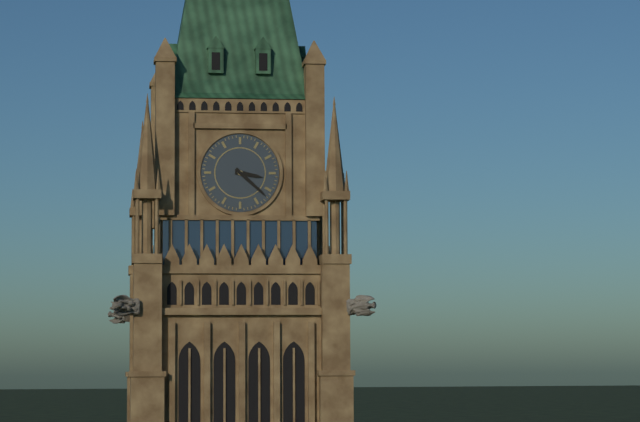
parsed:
3:22
